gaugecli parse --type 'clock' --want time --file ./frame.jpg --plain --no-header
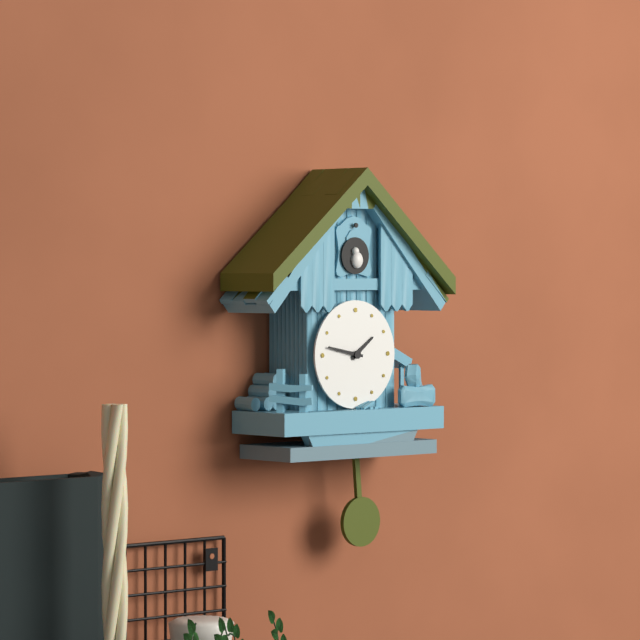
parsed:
1:47
